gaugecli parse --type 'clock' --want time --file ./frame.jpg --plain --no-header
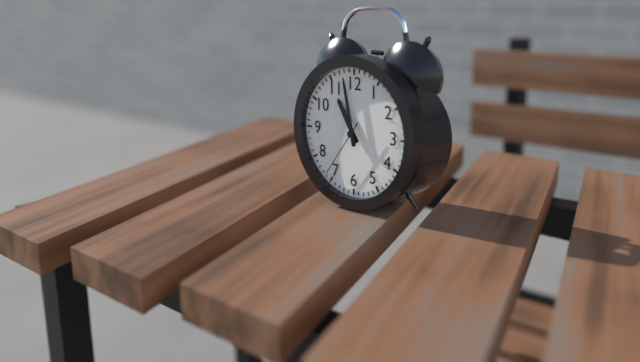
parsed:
10:58:36
